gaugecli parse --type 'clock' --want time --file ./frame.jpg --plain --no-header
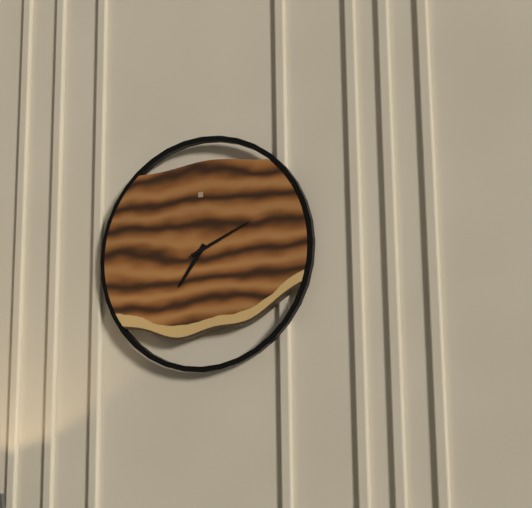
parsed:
7:11
